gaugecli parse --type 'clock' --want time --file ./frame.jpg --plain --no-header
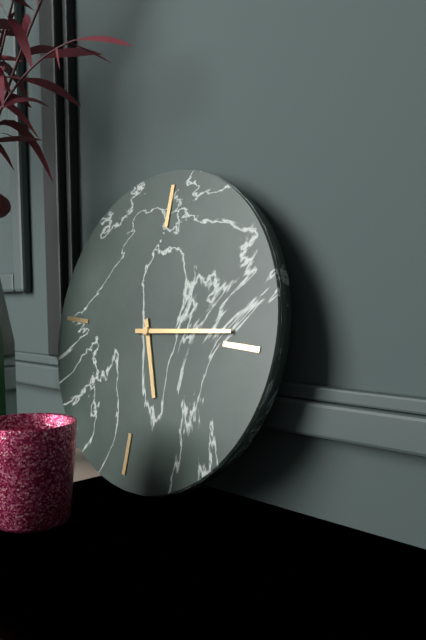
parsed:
5:14
